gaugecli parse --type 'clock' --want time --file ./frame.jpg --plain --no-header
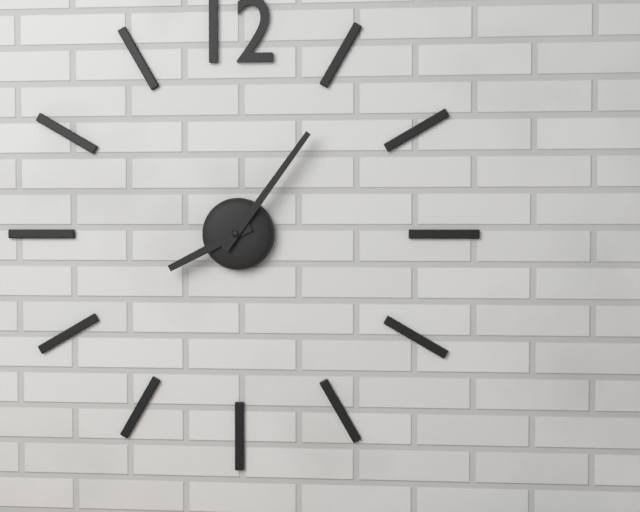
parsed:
8:06
